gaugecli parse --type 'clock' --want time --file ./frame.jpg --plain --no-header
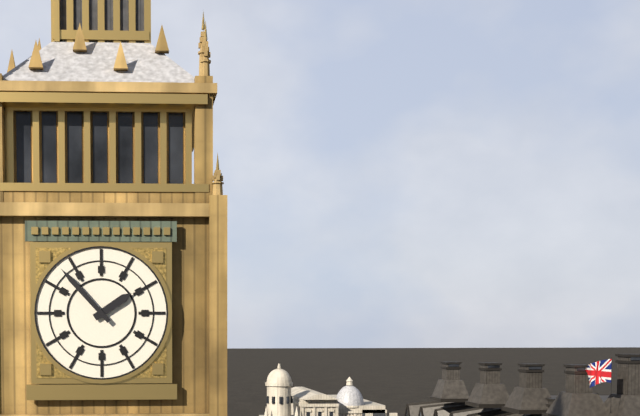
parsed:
1:53
